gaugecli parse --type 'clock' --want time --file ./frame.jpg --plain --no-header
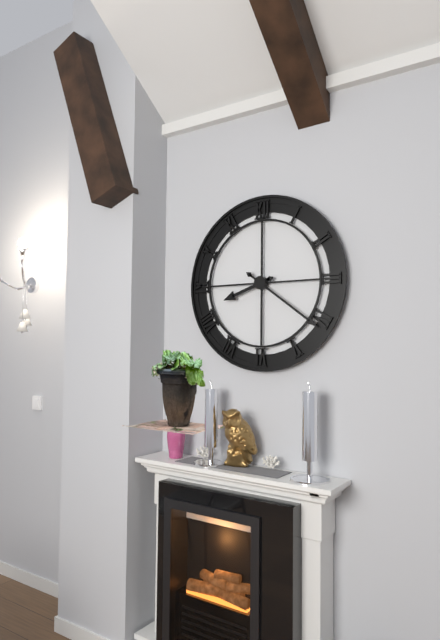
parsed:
8:21
